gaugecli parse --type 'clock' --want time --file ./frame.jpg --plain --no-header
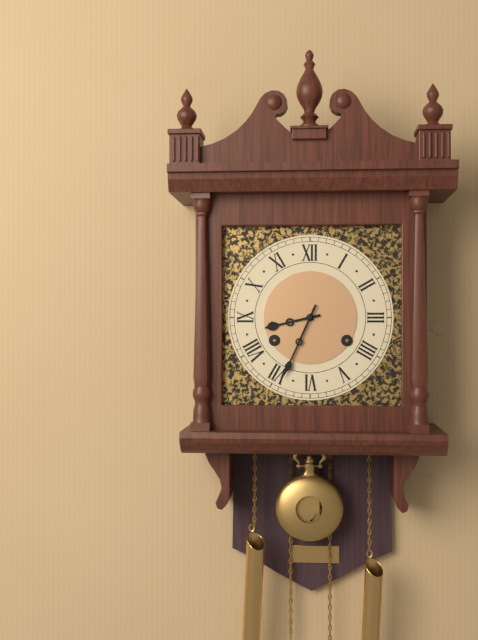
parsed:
8:34
